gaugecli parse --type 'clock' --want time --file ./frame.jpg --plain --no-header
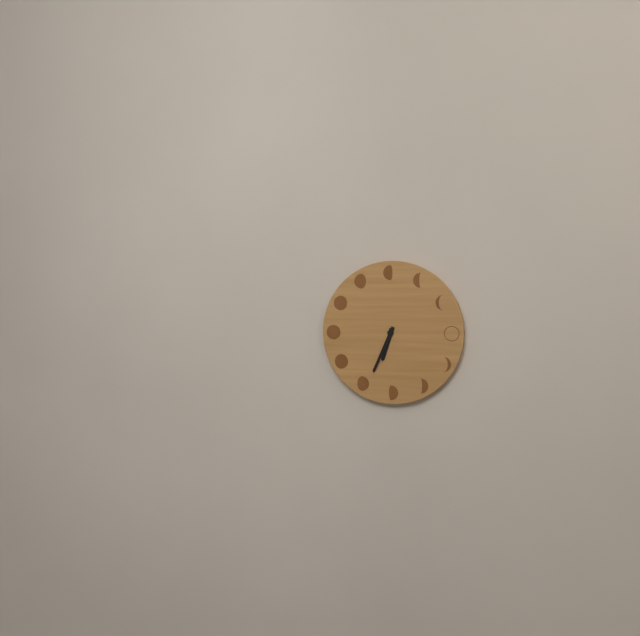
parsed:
6:34
